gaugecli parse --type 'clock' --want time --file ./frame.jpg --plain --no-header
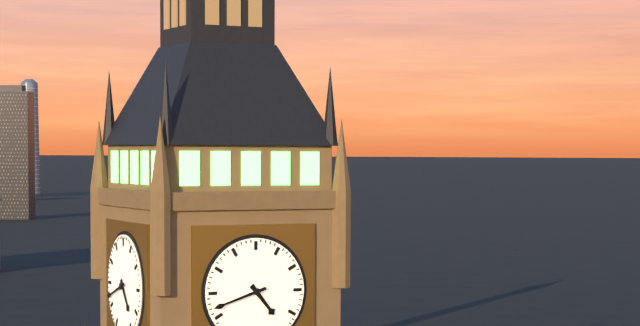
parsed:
4:42
